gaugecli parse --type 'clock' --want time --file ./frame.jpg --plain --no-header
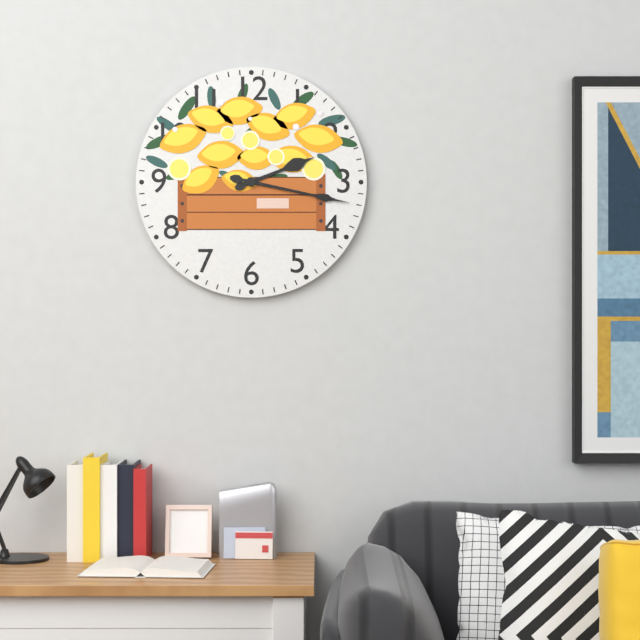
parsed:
2:17
